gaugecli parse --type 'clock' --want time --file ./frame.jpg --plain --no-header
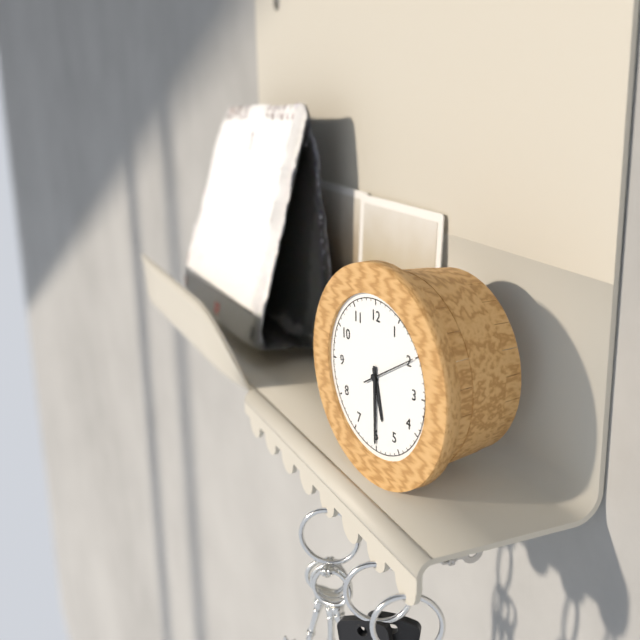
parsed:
5:30:10
